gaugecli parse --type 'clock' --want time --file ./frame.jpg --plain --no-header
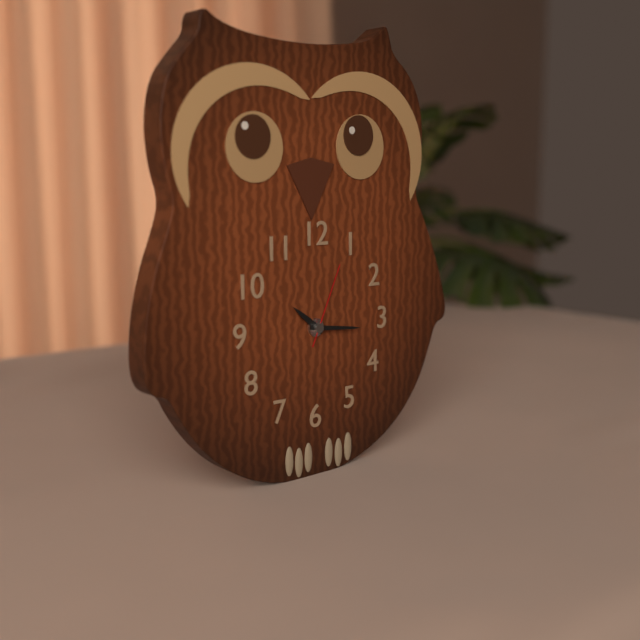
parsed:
10:16:04
